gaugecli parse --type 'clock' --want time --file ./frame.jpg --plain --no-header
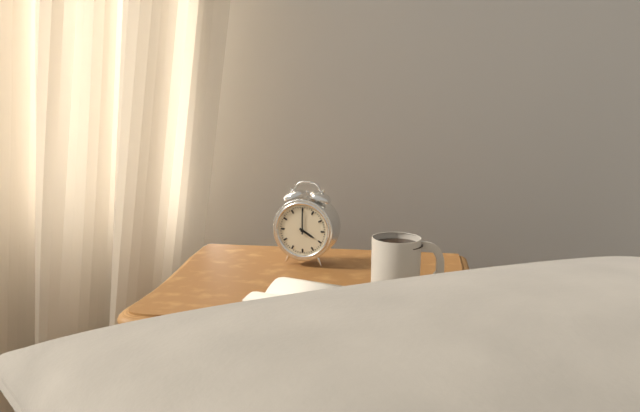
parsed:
4:00
